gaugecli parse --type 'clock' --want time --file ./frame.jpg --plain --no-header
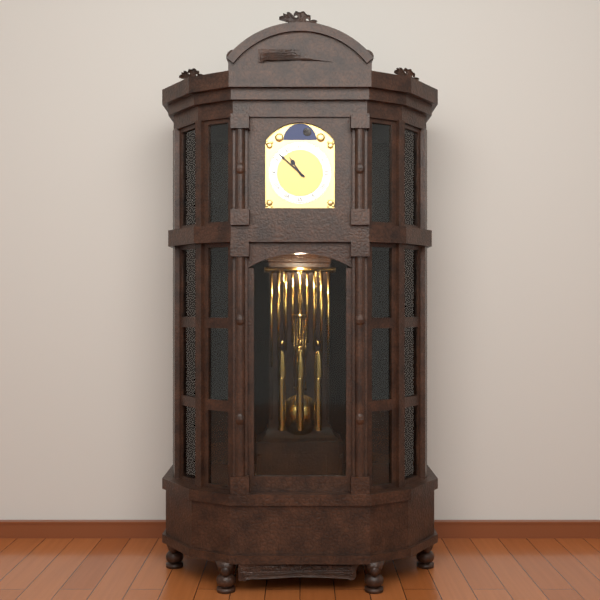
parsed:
10:52
